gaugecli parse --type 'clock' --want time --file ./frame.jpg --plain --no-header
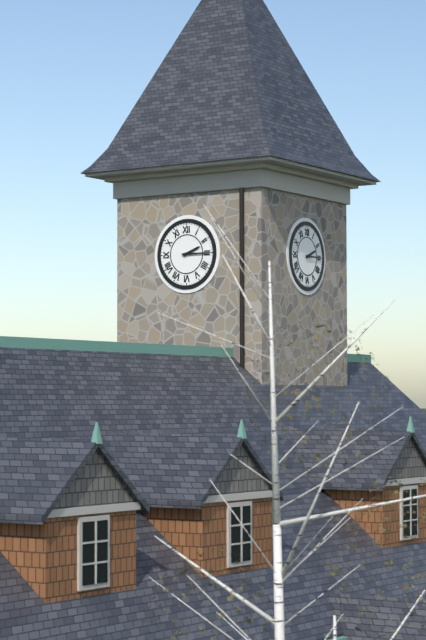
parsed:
2:15
